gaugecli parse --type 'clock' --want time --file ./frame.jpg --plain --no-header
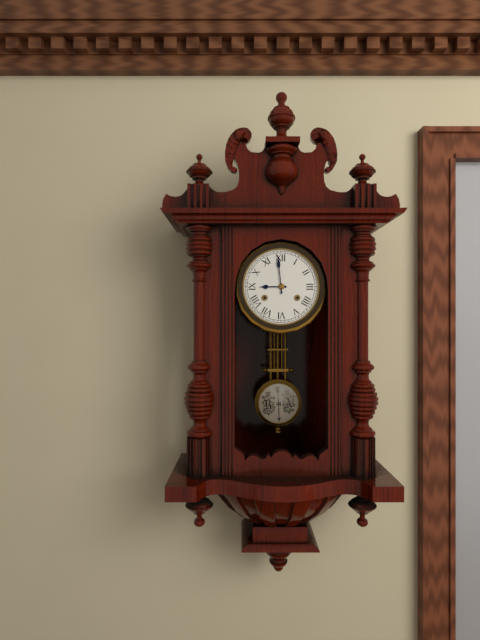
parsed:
8:59
